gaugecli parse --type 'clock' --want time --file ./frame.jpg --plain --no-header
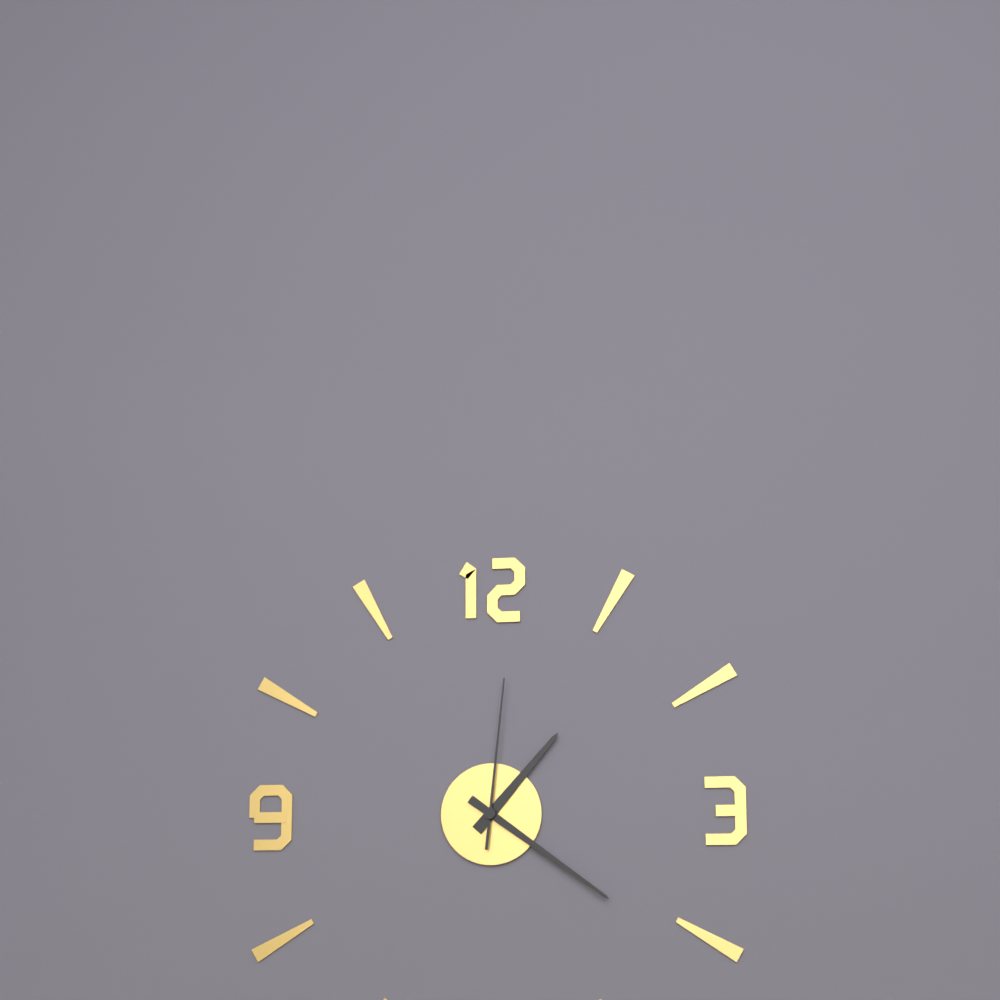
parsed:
1:21:01
